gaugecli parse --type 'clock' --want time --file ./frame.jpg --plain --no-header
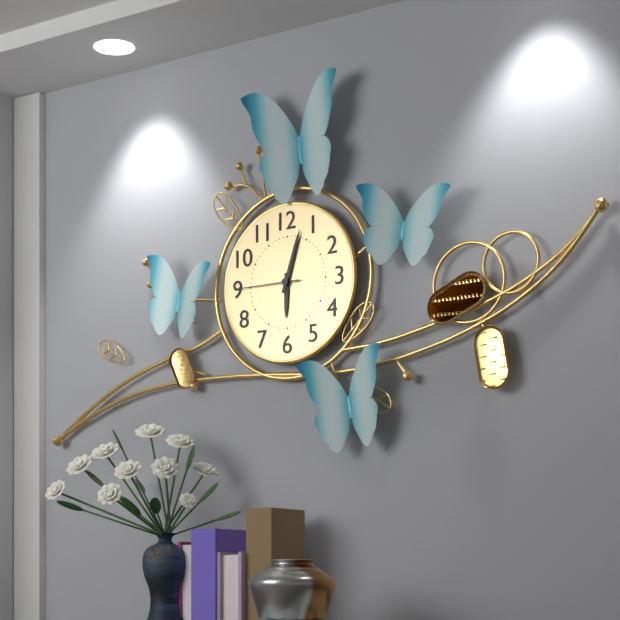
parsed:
6:03:45
